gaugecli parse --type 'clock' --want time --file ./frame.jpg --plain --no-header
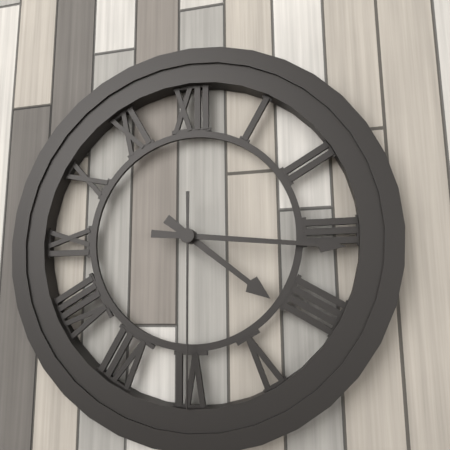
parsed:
4:16:30
